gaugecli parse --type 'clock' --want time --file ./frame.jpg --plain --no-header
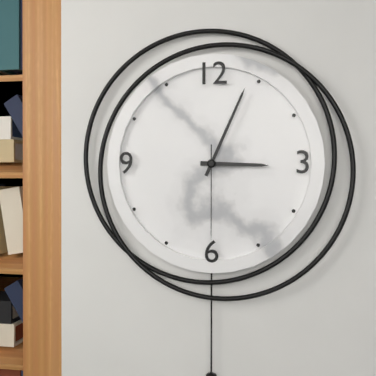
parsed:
3:04:30
